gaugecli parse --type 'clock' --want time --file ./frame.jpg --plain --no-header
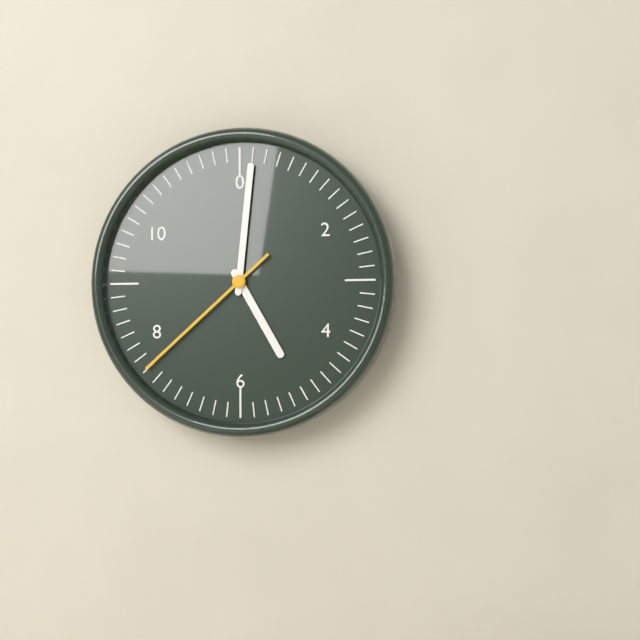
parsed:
5:01:38
